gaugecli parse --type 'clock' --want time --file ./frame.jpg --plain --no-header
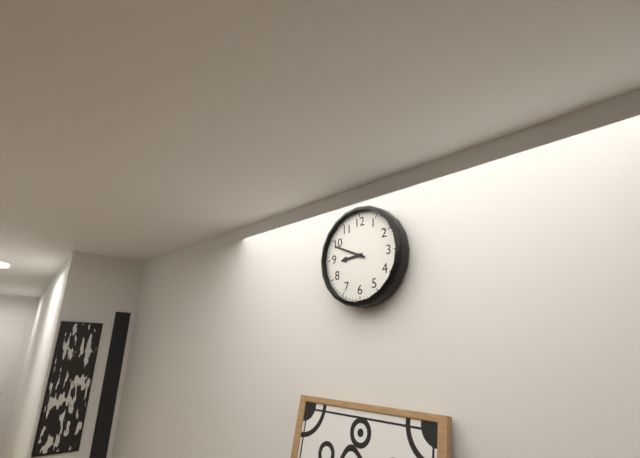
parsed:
8:49
